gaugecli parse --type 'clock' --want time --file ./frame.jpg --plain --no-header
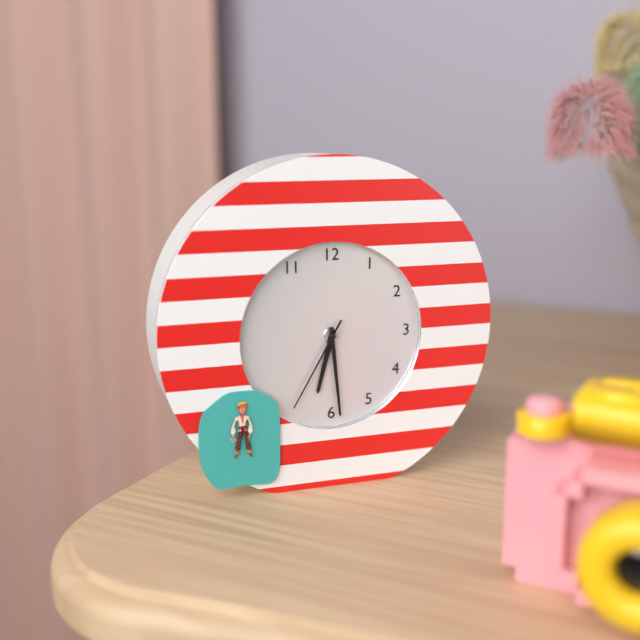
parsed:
6:29:35
